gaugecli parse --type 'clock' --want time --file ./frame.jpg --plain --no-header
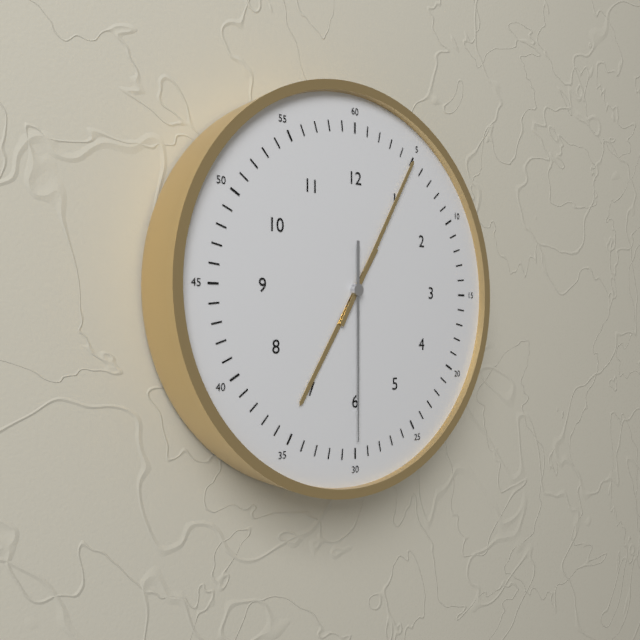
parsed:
7:05:30
